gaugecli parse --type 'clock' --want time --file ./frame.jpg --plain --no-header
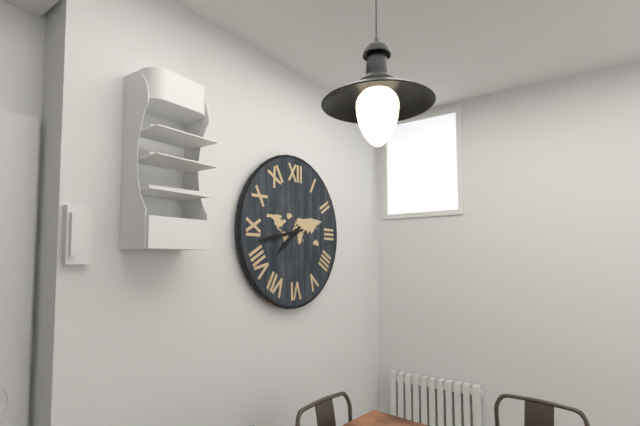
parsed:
7:43
